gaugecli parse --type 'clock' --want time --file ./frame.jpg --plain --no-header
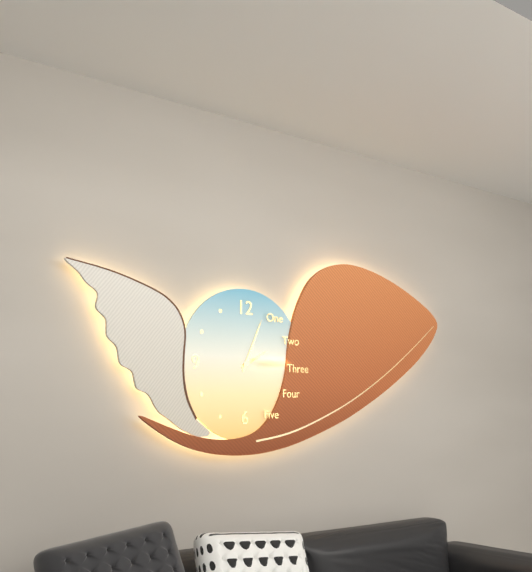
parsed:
2:04
